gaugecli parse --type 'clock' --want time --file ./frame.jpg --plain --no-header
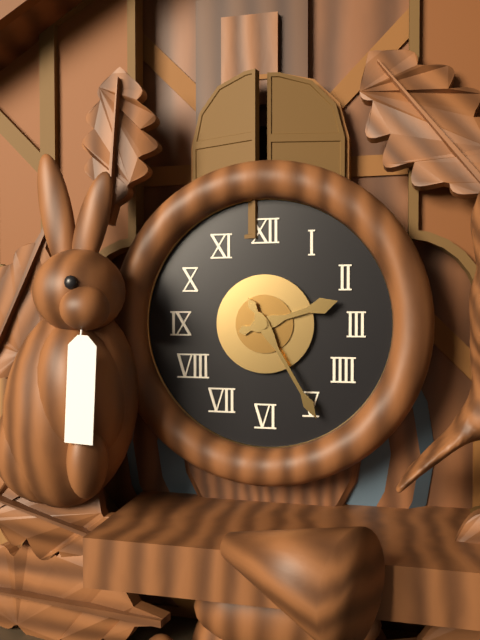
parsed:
2:25
